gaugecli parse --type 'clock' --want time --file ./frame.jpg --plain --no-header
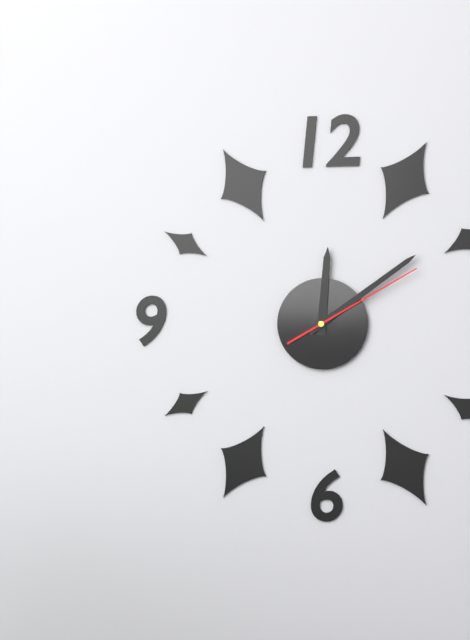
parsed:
12:09:10
